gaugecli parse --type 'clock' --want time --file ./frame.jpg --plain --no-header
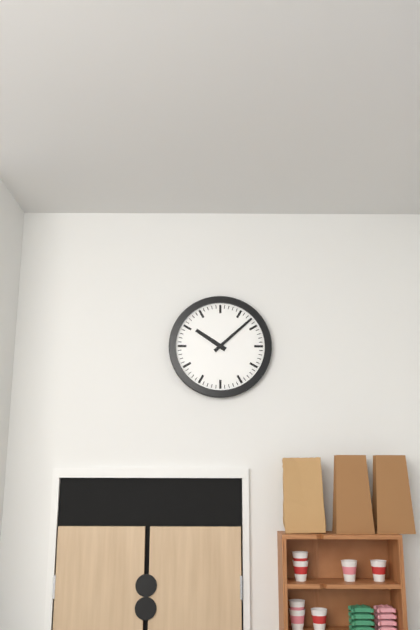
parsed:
10:08
